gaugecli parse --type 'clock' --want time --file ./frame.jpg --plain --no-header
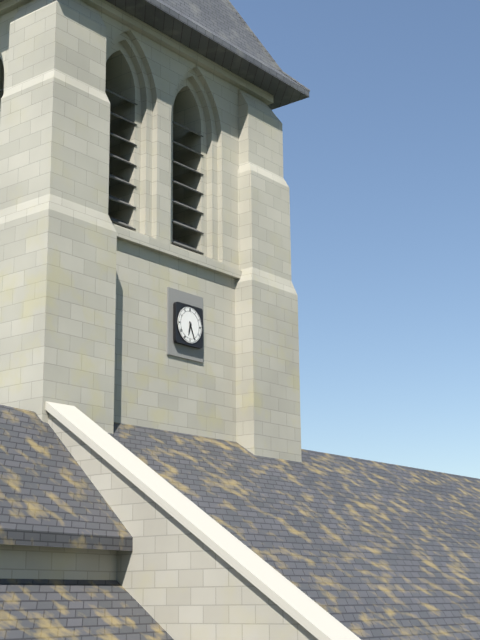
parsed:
6:26
